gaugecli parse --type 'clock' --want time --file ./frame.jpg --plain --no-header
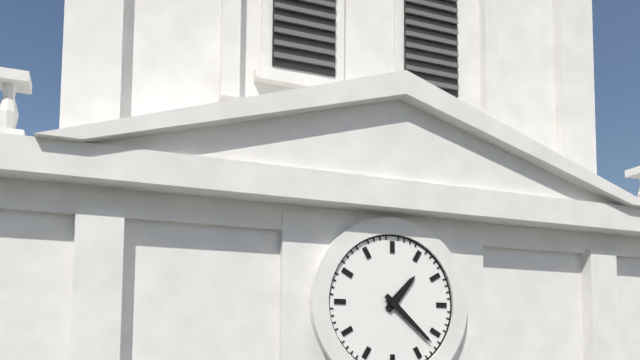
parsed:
1:22
